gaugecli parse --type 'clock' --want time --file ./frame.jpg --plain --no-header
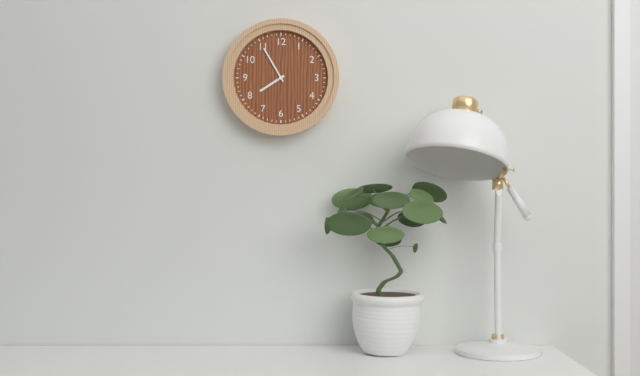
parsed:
7:55
